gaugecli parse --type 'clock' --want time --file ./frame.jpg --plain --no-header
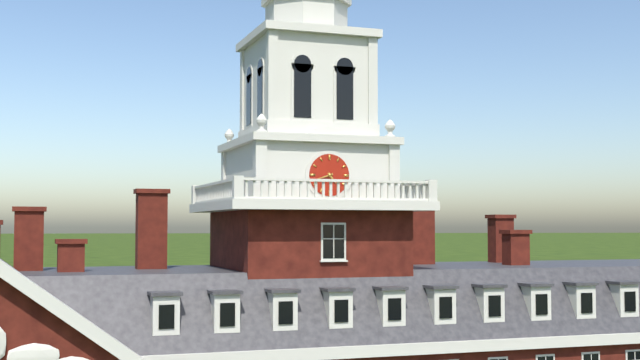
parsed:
4:42
